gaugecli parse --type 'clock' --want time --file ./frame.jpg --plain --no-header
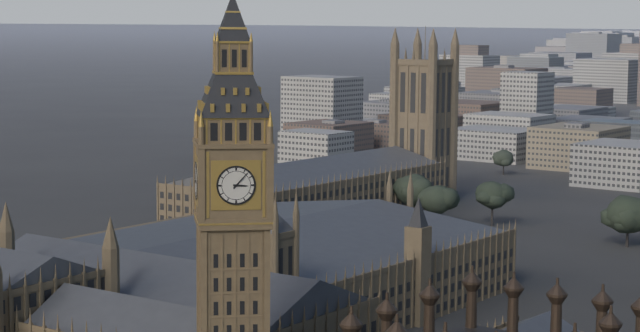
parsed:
3:07
